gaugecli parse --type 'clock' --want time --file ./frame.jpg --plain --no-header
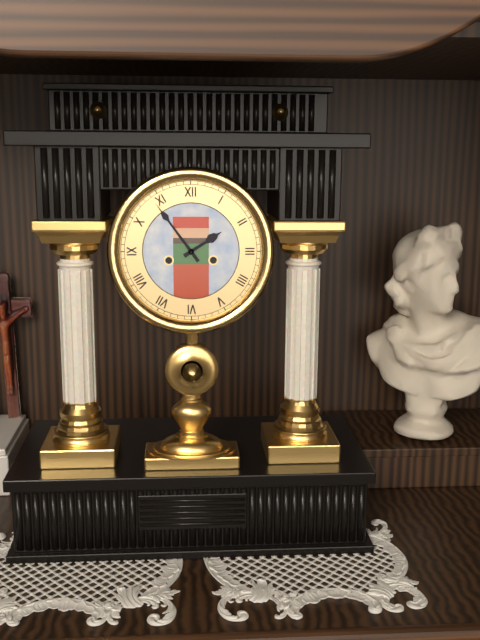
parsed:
1:54
